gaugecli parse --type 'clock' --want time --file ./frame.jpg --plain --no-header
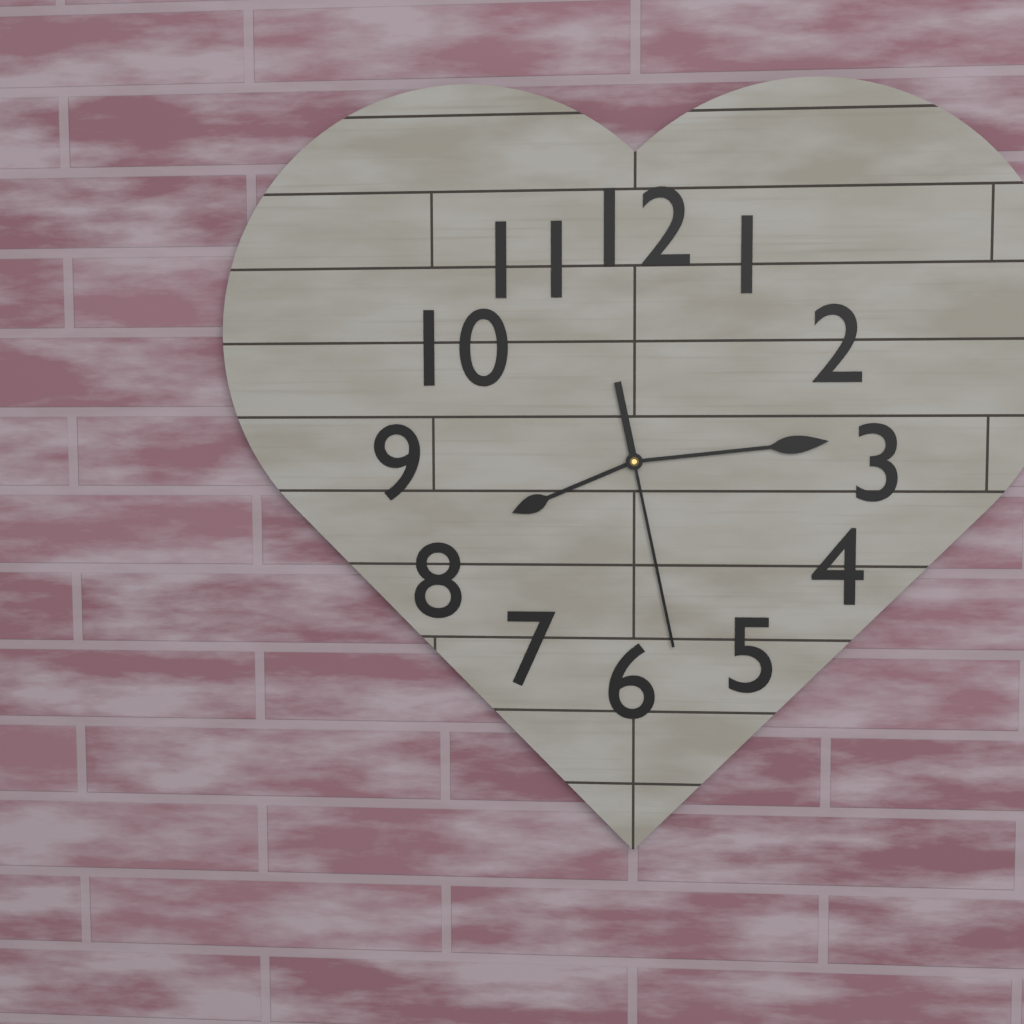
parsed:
8:14:28
